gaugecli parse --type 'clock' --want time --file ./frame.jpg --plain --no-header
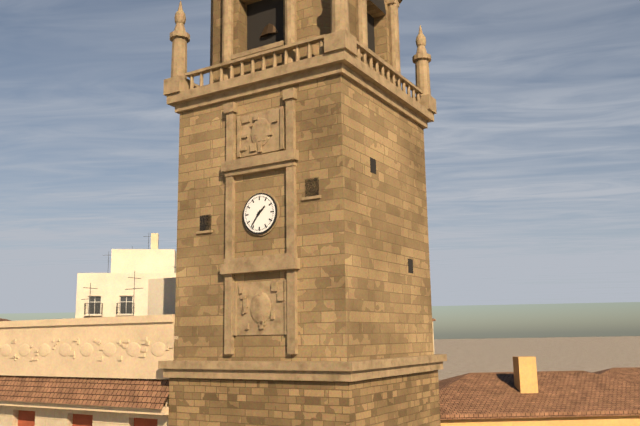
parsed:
1:36
